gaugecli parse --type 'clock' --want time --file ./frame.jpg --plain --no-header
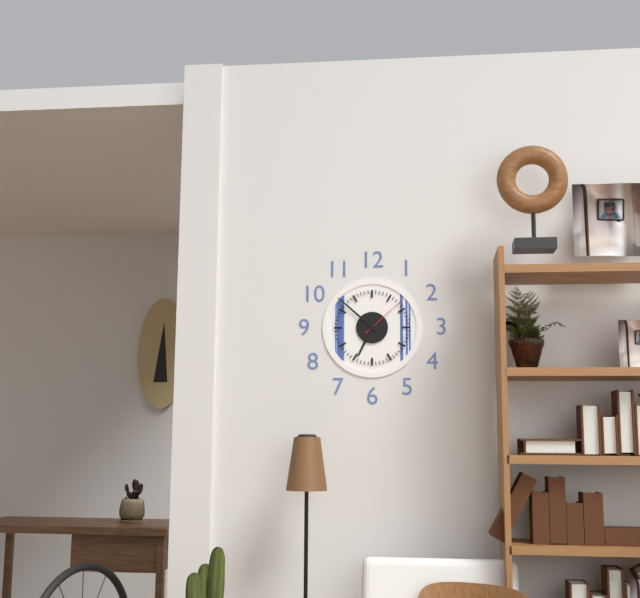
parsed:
6:52:08
